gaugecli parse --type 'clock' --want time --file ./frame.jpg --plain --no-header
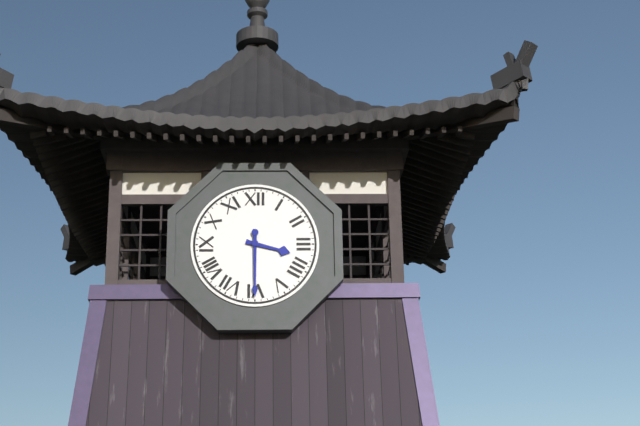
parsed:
3:30
